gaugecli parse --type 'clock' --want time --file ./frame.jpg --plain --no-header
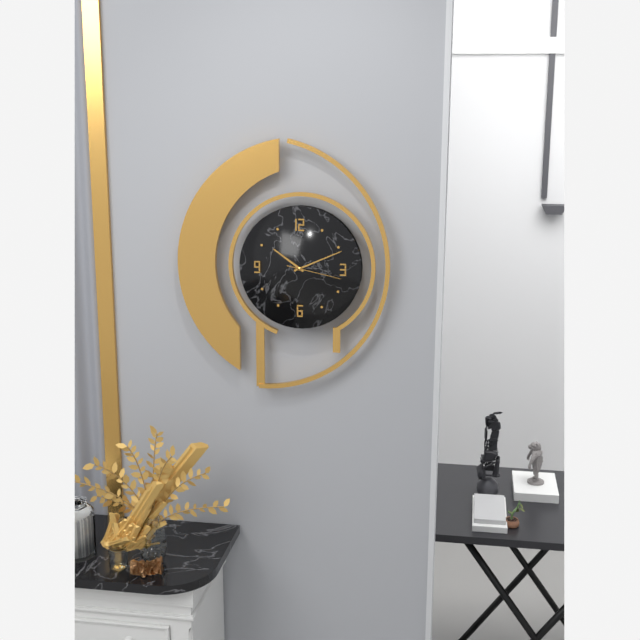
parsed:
10:11:17
